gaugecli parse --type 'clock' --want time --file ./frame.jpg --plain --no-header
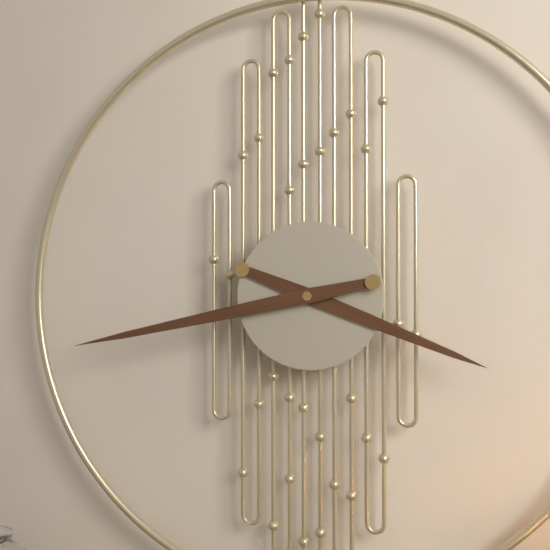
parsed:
3:43
